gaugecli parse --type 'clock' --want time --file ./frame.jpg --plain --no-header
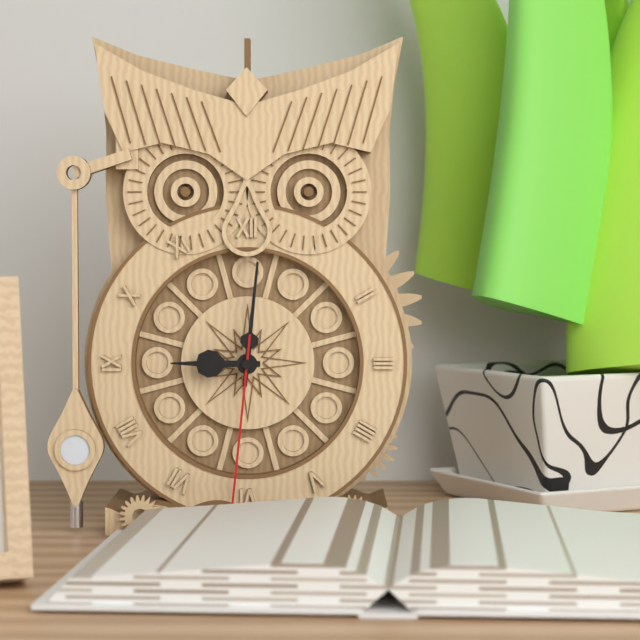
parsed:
9:01:31
